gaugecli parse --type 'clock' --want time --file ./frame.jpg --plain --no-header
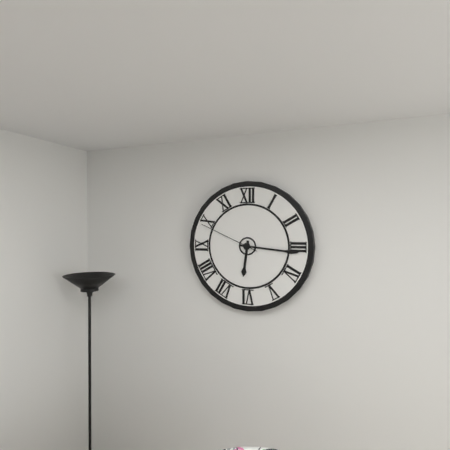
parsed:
6:16:49
